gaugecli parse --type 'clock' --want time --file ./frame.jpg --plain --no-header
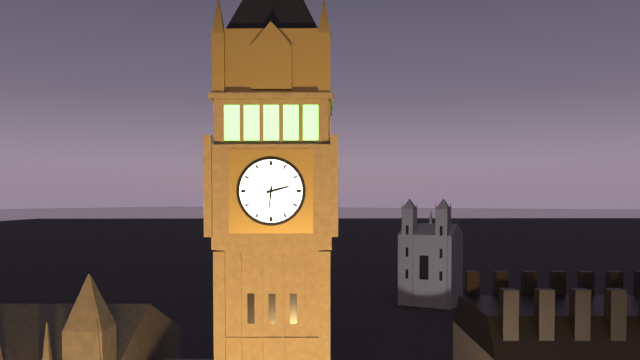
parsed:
2:31
